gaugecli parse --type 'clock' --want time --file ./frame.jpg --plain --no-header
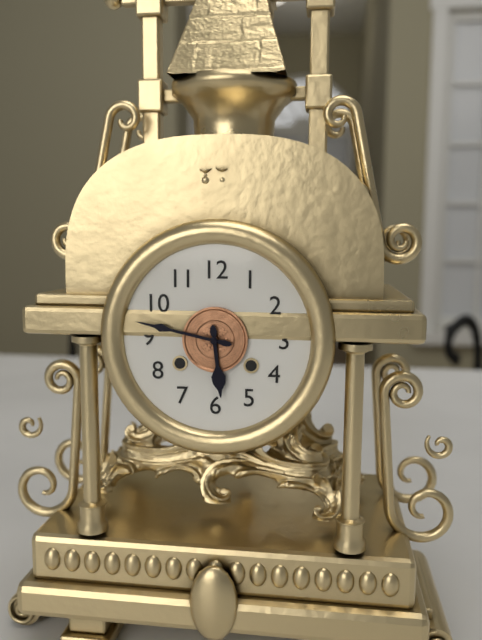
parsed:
5:47
